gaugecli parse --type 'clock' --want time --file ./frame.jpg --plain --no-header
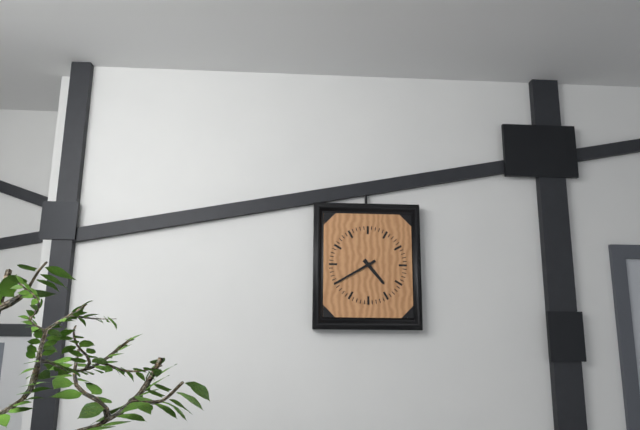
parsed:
4:40
